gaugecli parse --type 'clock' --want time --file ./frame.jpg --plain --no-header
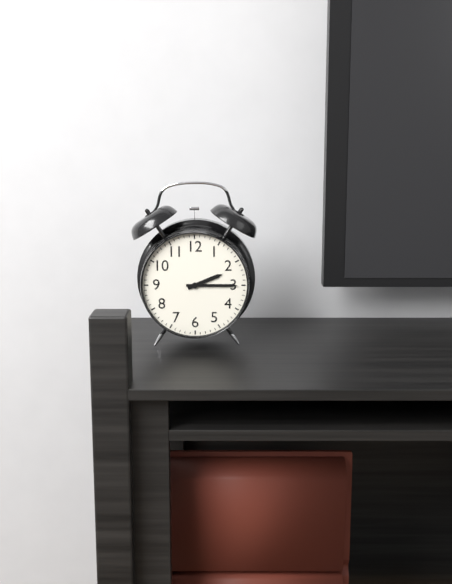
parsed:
2:15
